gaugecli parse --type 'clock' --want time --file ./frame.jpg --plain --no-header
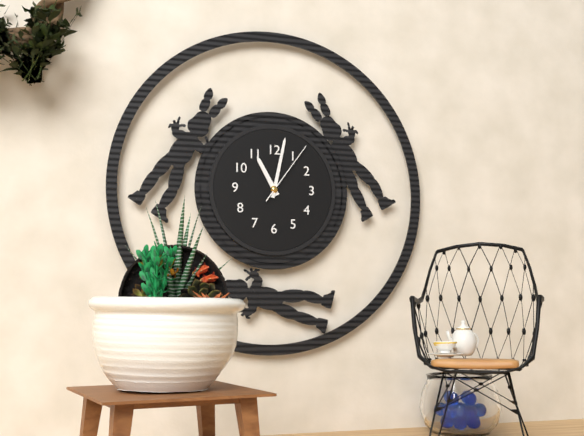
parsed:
11:02:06
